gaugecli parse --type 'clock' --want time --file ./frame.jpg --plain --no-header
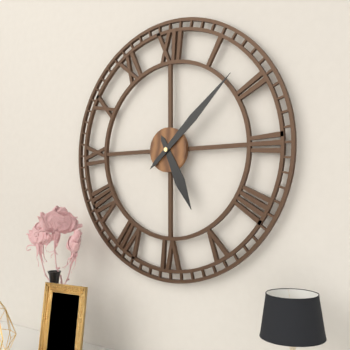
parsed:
5:08
